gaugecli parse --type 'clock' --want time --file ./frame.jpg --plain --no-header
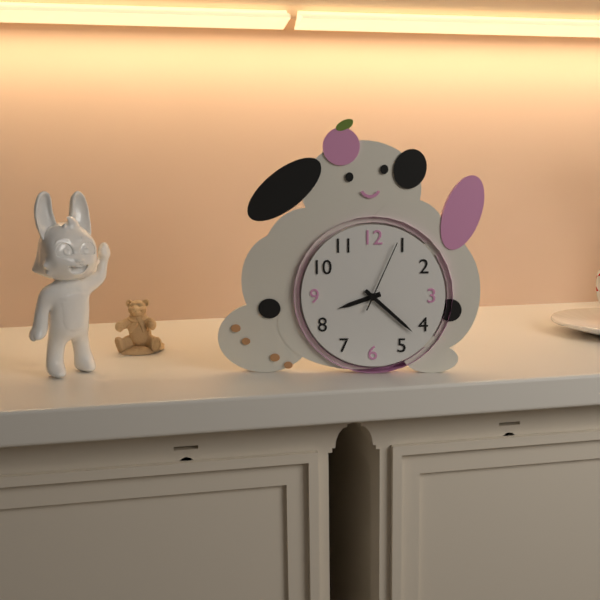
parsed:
8:22:04
